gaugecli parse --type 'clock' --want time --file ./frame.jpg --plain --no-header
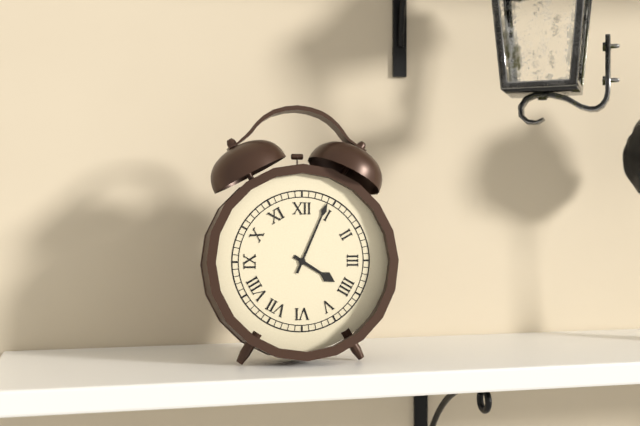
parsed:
4:04
